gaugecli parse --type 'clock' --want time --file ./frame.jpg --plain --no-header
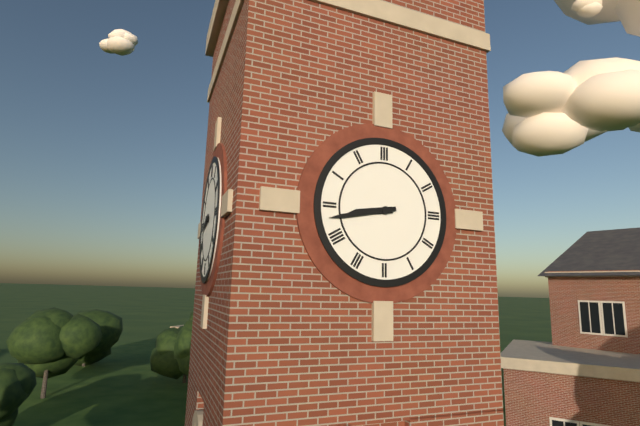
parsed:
8:43
